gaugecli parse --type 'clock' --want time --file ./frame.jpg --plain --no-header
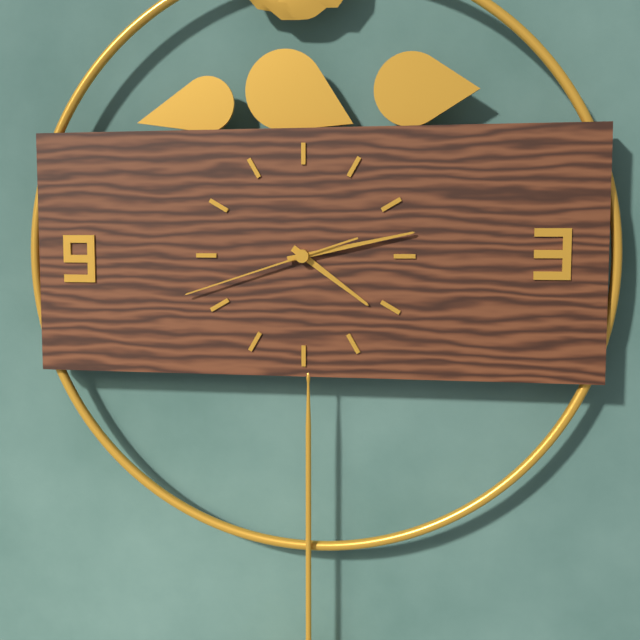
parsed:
4:13:42
